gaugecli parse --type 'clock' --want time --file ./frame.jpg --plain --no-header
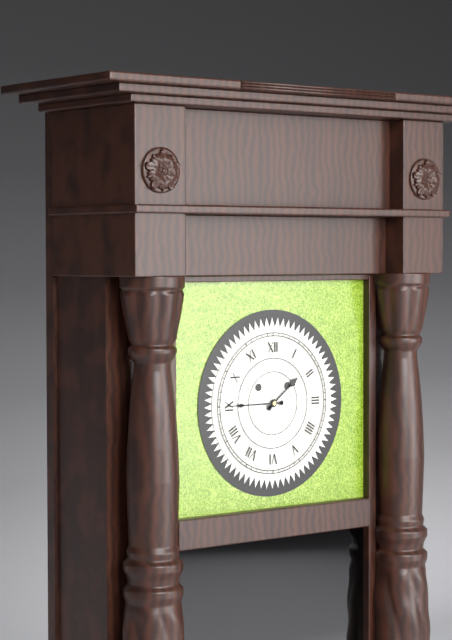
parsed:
1:45
